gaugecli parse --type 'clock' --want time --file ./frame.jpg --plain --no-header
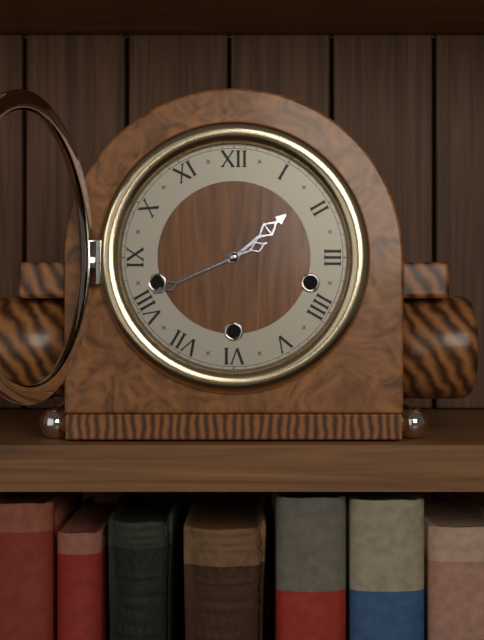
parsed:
1:41
